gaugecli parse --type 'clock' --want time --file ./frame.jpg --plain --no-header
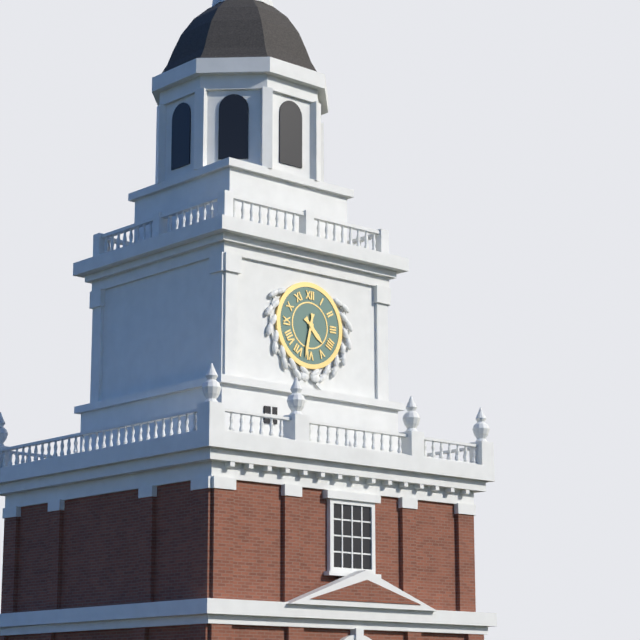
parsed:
4:32
